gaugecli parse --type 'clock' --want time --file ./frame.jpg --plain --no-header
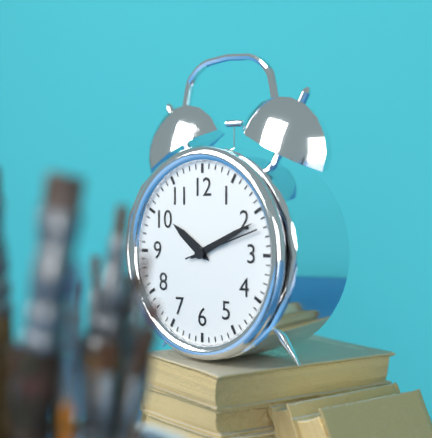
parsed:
10:11:12
